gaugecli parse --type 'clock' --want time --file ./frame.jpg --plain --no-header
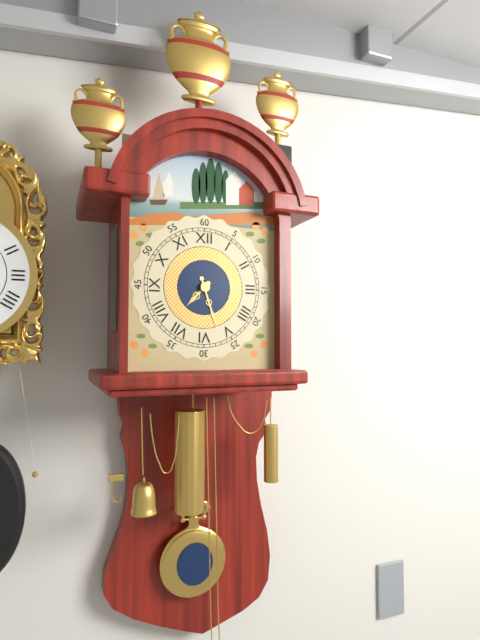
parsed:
7:27
